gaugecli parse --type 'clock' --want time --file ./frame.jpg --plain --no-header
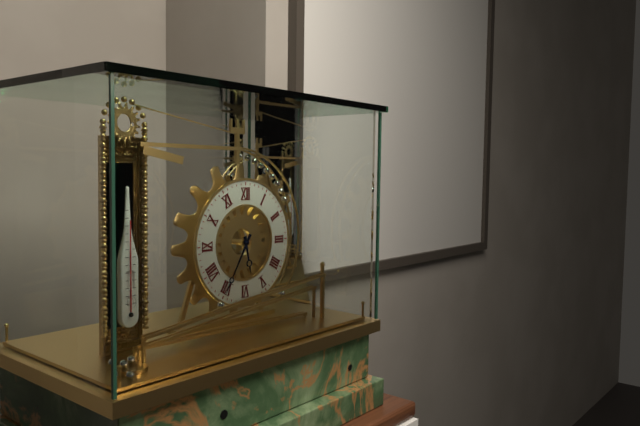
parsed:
5:35
